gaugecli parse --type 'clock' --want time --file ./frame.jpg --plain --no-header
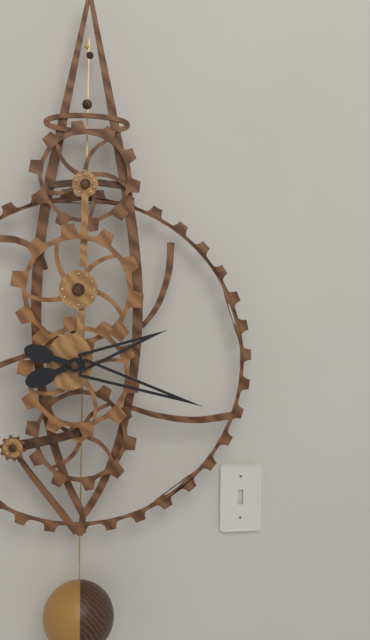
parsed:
2:18
